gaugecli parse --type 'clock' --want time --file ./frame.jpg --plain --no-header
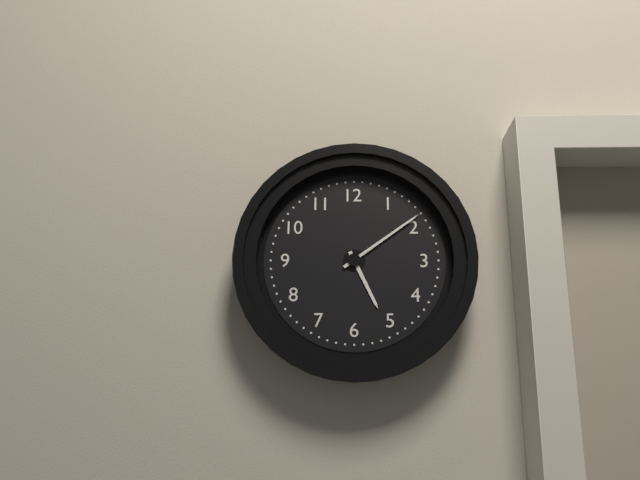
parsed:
5:09
